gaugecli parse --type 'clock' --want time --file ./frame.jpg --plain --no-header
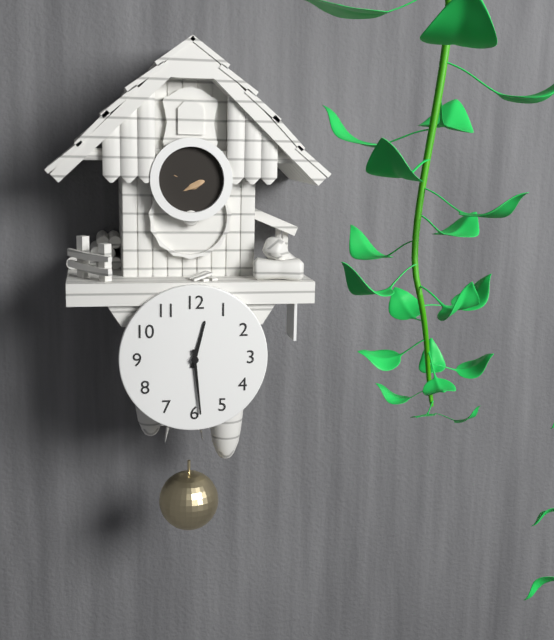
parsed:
12:29
